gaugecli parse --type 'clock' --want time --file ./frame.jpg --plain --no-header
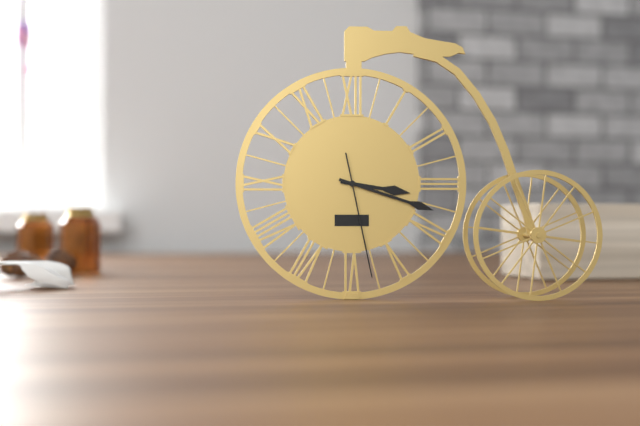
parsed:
3:18:28
